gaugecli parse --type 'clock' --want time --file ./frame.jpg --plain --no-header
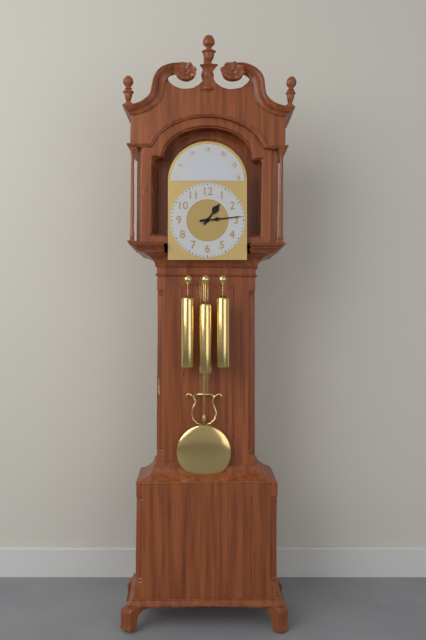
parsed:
1:14
